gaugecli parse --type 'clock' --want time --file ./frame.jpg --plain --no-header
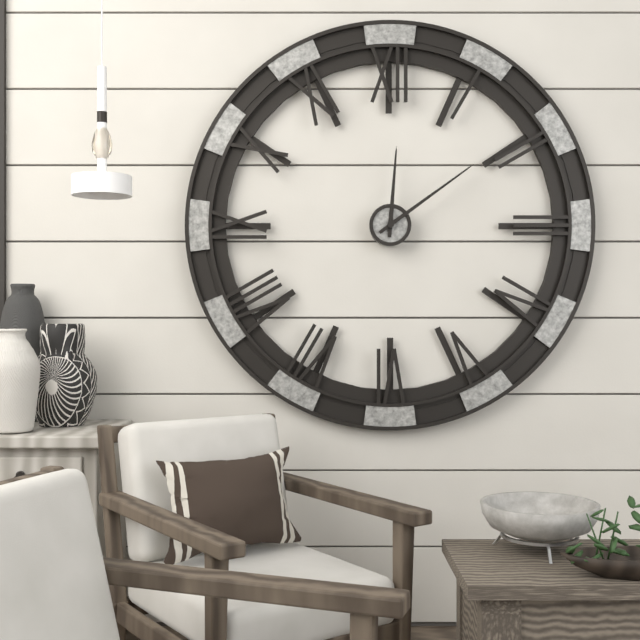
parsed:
12:09
